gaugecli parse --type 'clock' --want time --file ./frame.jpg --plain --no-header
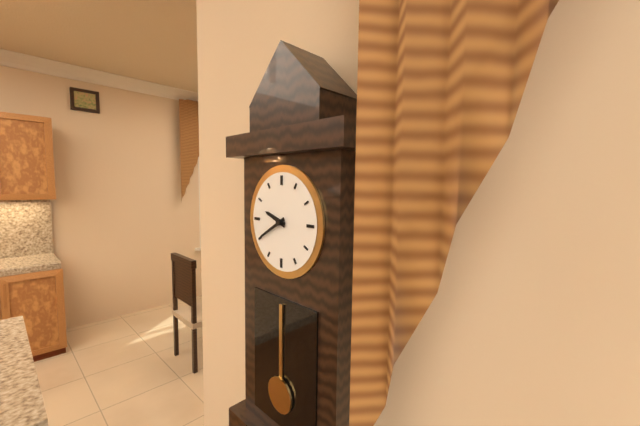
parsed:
9:40
